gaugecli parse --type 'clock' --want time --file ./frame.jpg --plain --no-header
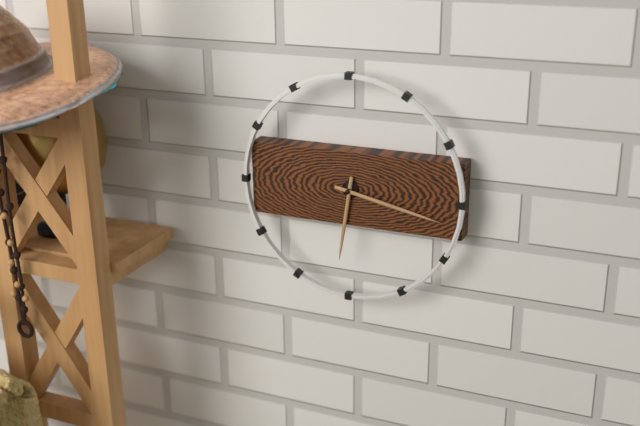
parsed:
6:17
